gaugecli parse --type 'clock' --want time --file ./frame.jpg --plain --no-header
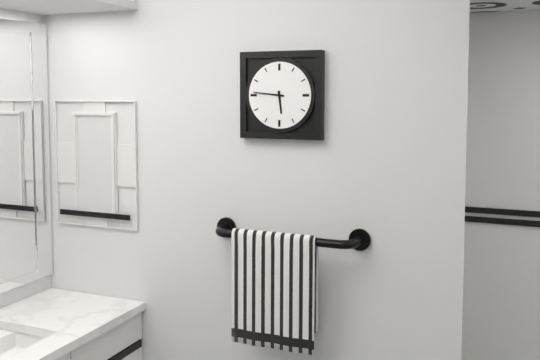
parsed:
5:46
